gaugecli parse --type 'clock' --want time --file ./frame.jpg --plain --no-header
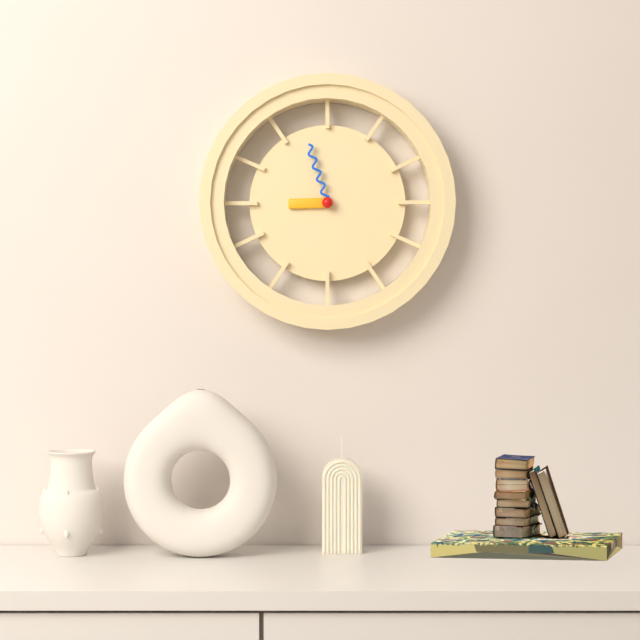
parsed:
8:57
